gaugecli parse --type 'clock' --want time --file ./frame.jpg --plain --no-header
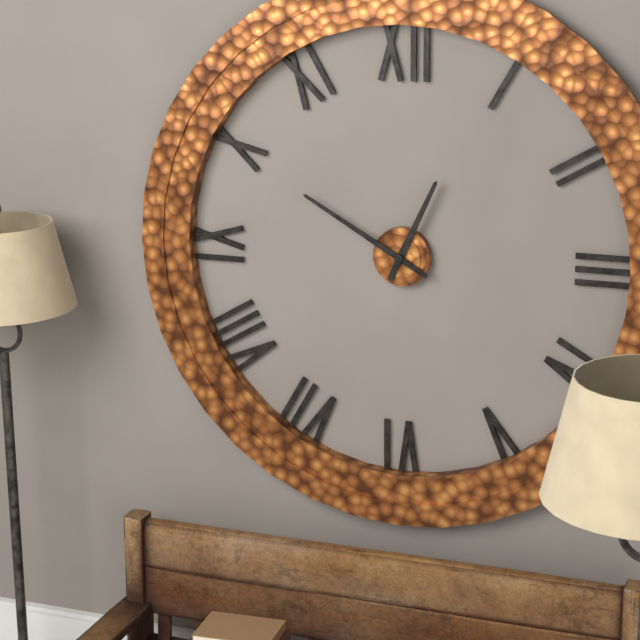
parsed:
12:50
